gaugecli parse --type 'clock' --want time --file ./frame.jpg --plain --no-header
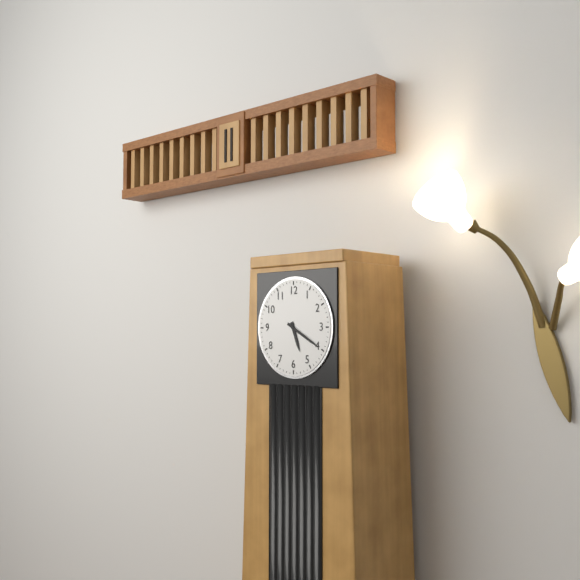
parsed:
5:20
